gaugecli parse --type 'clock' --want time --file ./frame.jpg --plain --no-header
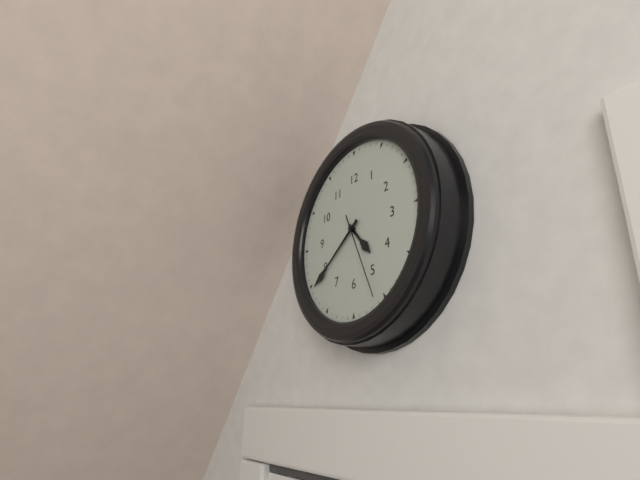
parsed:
4:39:26
